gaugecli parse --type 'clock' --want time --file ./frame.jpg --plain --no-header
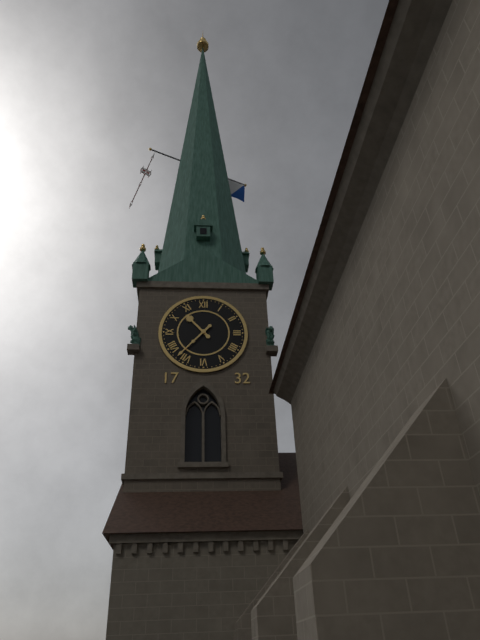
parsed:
10:37
